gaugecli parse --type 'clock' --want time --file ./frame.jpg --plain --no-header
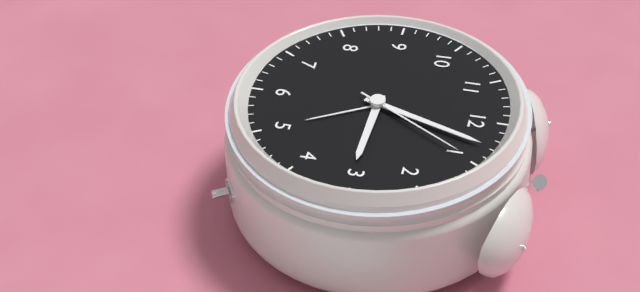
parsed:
3:03:05
